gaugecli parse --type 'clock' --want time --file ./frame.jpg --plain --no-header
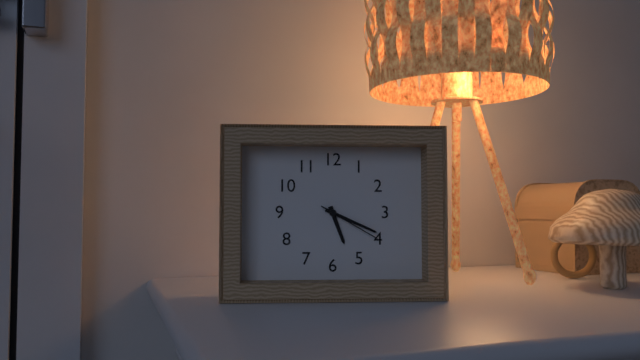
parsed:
5:19:20
